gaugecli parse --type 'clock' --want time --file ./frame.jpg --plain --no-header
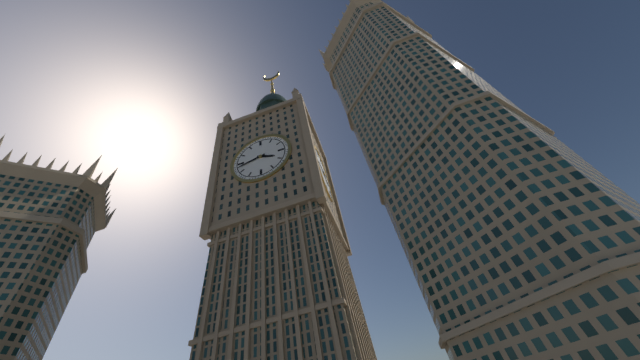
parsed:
3:43
